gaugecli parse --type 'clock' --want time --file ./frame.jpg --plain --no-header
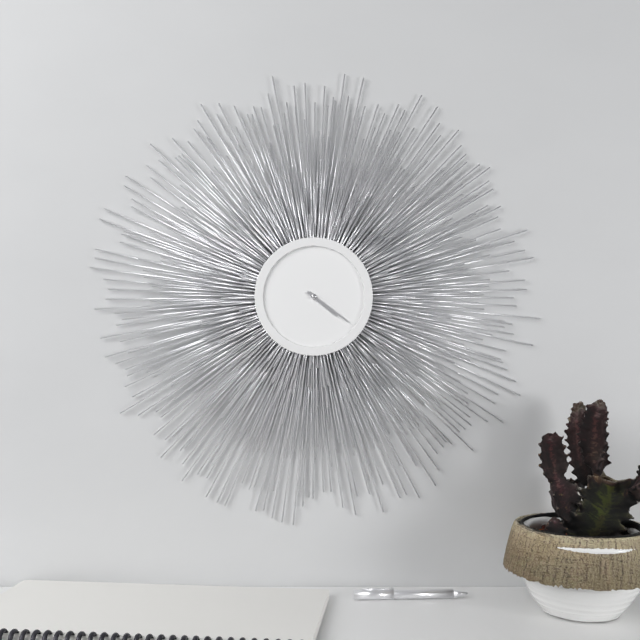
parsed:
4:21
